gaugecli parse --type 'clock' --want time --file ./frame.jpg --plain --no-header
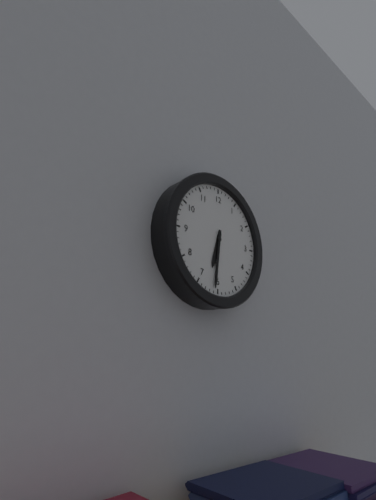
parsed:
6:31
